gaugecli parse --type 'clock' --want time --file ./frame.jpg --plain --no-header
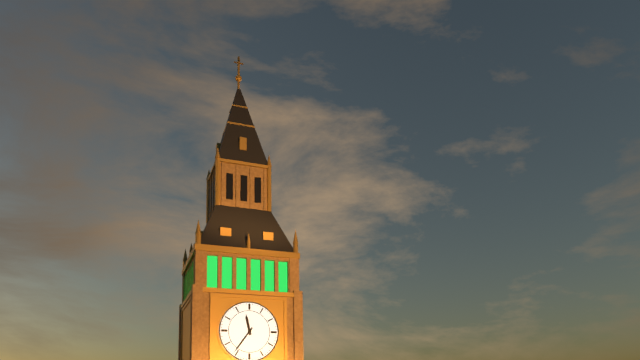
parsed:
11:36
